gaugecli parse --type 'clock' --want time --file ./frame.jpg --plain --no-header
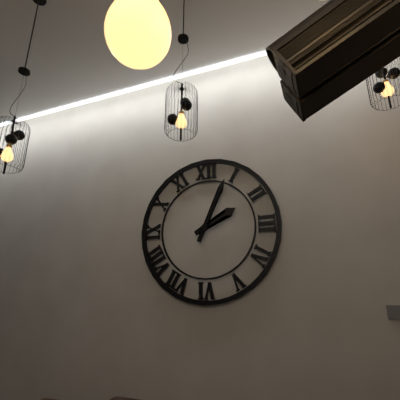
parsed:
2:04
